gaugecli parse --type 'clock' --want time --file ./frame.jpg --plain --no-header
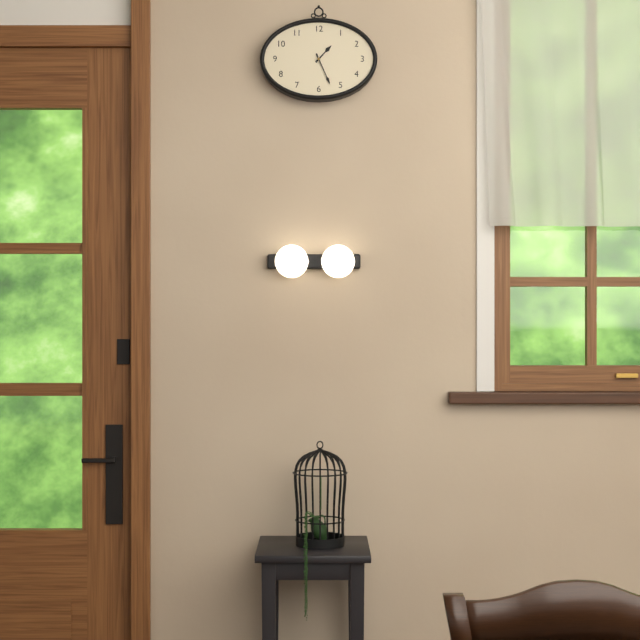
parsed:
1:26
